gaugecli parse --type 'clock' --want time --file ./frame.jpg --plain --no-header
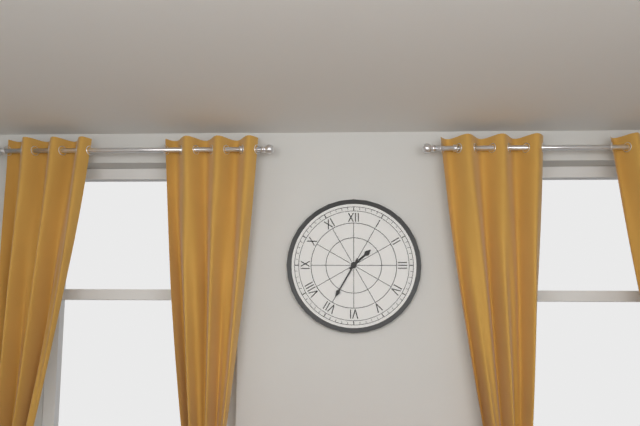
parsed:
1:35
